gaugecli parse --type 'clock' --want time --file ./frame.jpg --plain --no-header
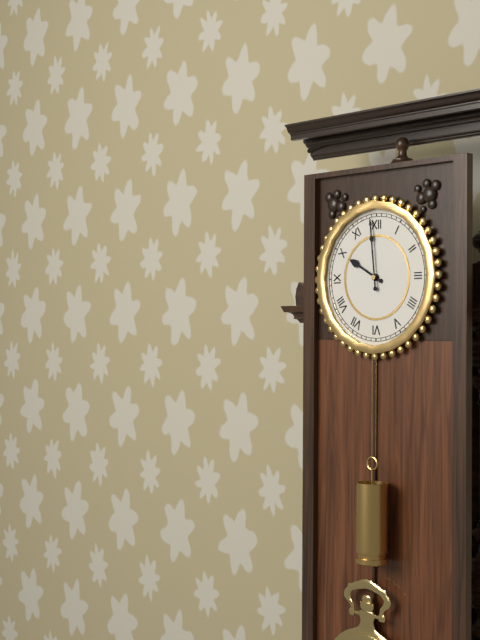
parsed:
9:59
